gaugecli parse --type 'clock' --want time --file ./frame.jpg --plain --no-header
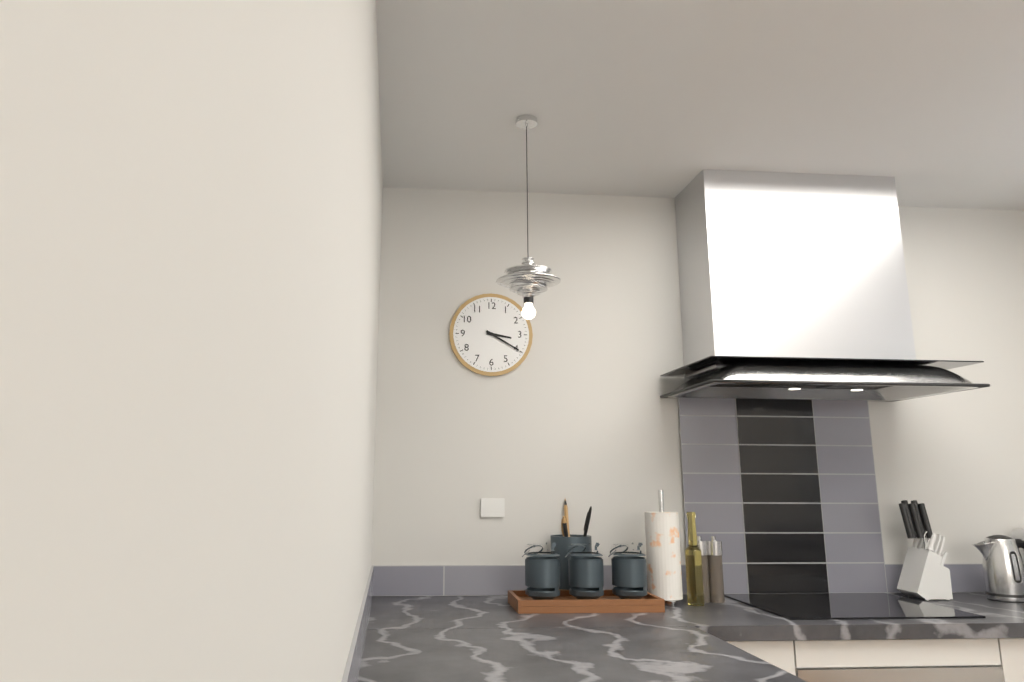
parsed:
3:20
